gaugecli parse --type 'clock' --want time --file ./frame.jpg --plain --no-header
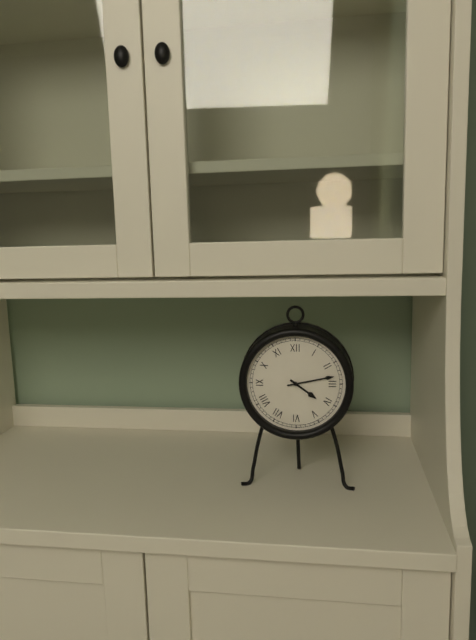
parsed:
4:13
